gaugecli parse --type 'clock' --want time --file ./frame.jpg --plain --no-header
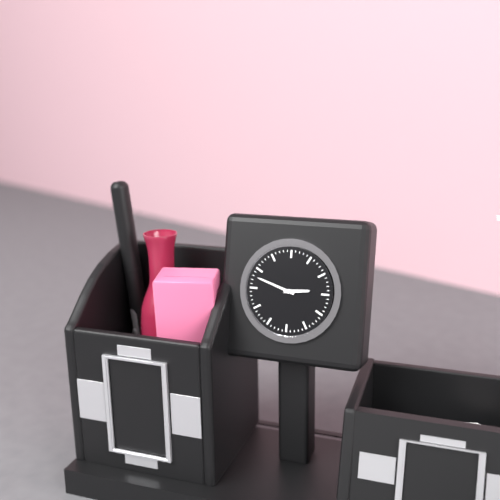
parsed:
2:48
